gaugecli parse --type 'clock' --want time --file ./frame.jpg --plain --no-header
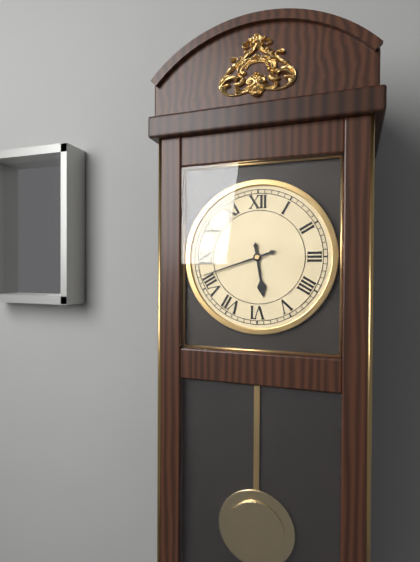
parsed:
5:42
